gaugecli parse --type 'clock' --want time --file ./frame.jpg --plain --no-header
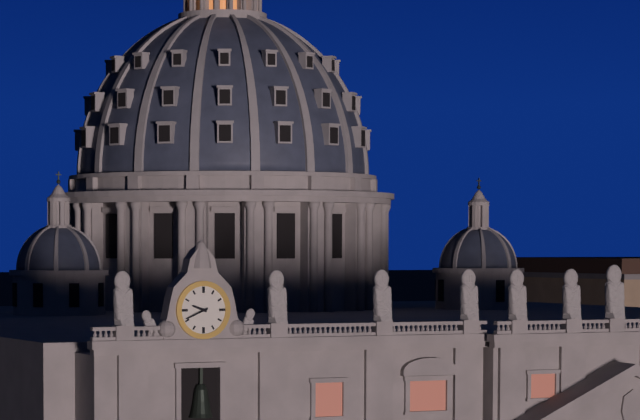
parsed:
9:41
